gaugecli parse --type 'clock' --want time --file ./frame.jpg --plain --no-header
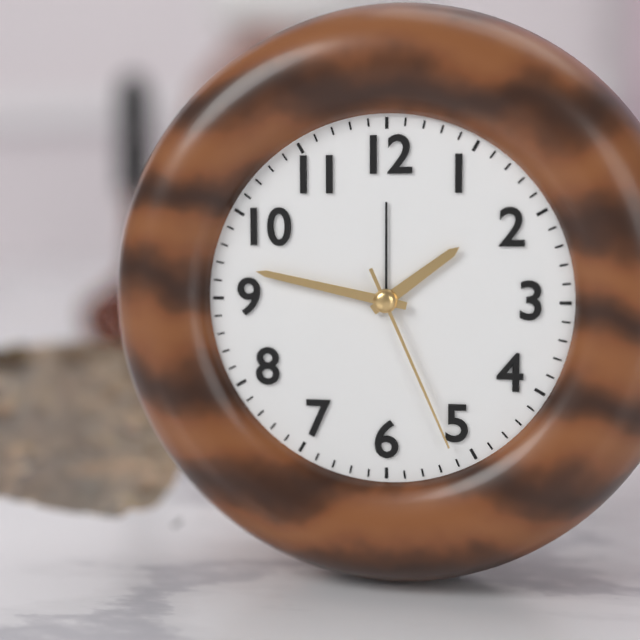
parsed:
1:47:26
